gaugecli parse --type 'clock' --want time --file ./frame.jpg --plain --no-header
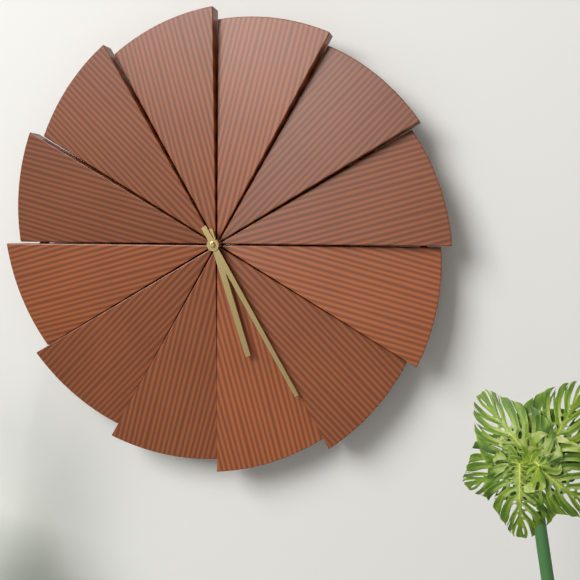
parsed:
5:25
